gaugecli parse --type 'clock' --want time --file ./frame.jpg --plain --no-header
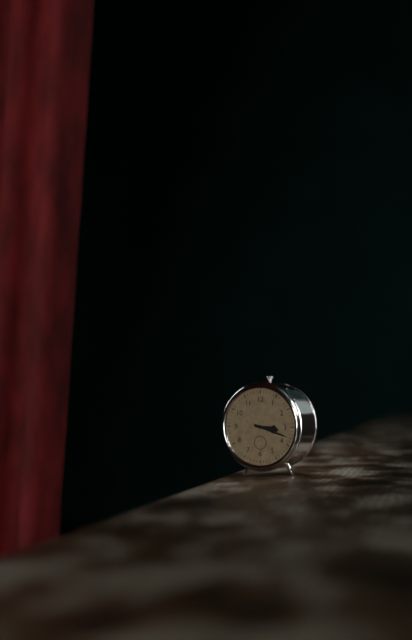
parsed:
3:18
